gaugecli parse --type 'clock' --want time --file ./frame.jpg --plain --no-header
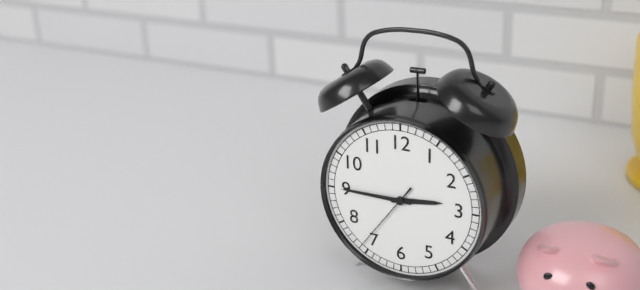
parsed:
2:45:36
